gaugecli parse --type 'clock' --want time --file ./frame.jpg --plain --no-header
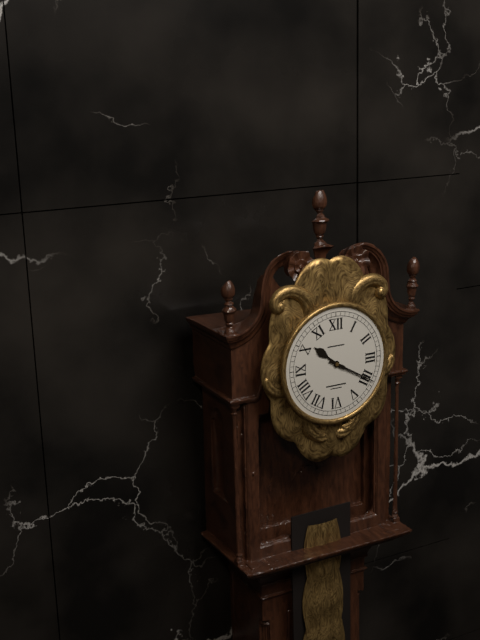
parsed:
10:20
